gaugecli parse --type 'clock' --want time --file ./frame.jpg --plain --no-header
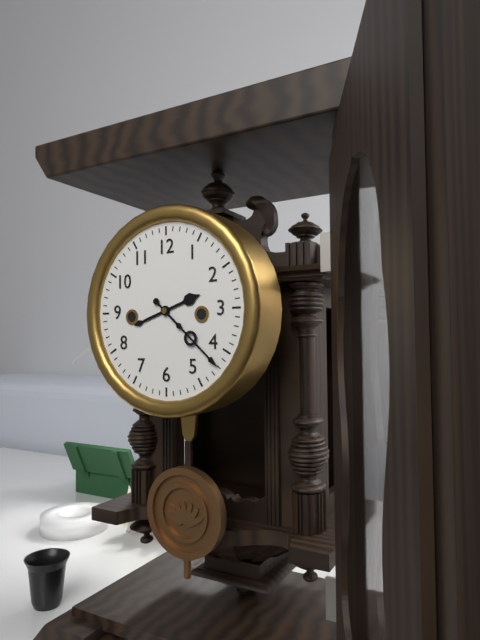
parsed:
2:22
